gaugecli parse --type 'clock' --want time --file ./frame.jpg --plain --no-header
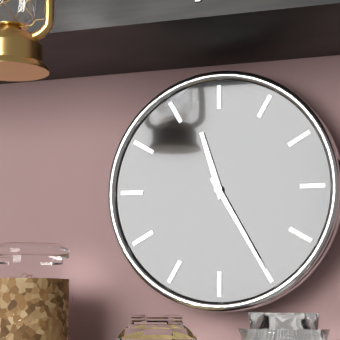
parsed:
11:25
